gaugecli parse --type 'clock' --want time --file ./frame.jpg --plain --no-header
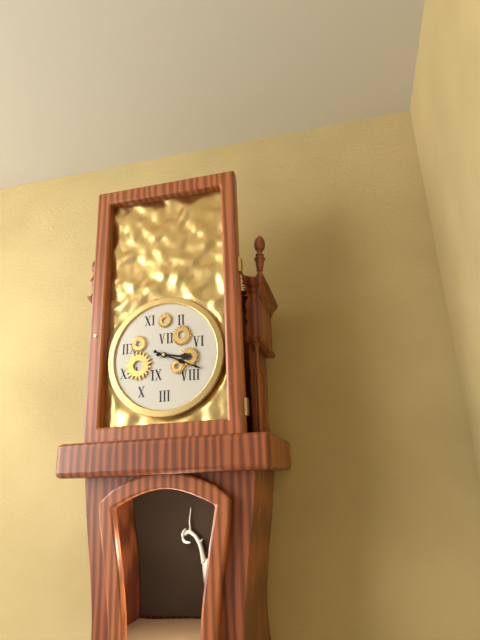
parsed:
3:19
